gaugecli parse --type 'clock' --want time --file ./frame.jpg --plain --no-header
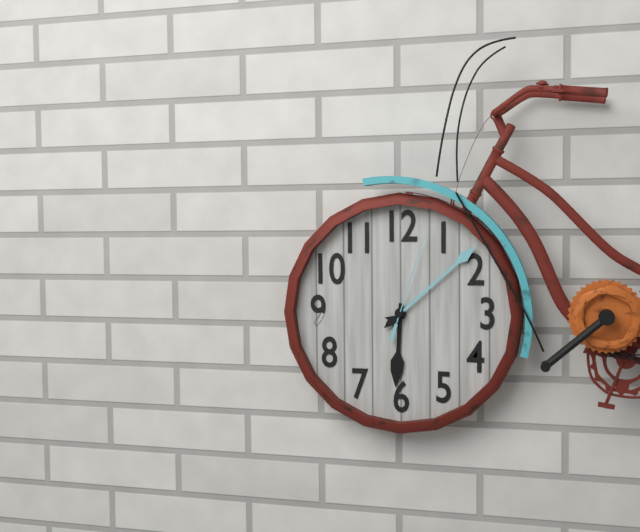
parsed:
6:08:03
